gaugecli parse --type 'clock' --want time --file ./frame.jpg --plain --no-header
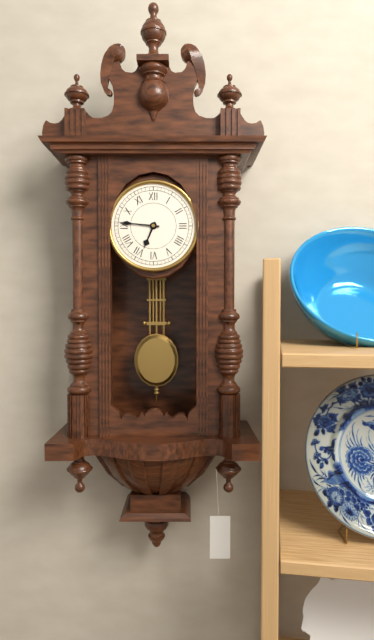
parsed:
6:46
